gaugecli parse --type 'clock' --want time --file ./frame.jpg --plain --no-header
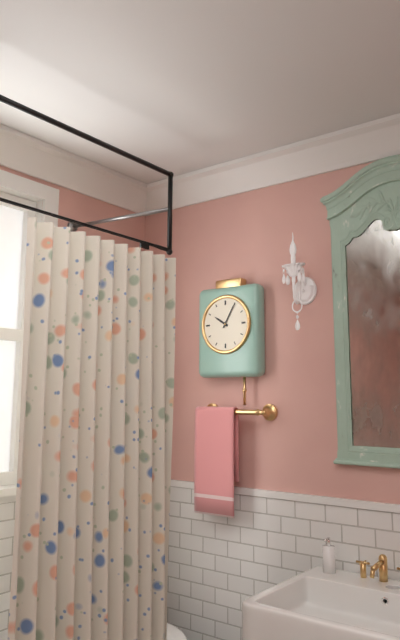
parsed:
10:05
